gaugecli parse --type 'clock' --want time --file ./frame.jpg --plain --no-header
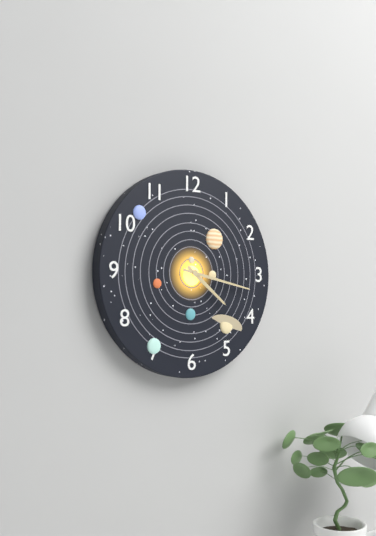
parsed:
4:17
